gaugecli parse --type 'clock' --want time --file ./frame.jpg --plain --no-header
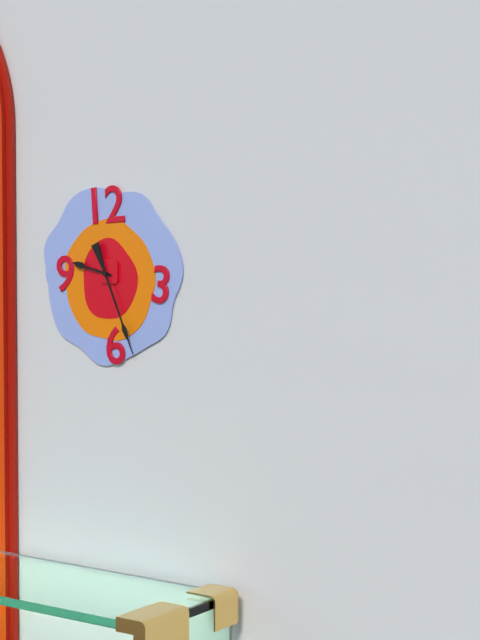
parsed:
9:26
